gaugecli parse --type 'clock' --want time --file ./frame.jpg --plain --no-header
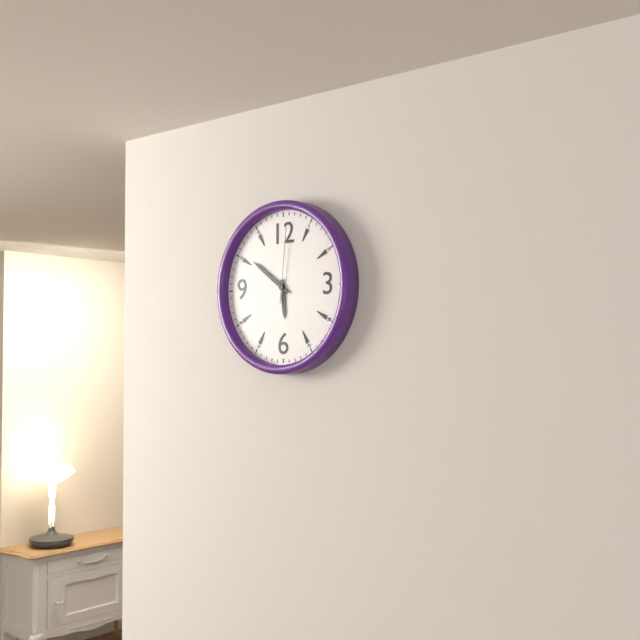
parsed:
5:51:01
